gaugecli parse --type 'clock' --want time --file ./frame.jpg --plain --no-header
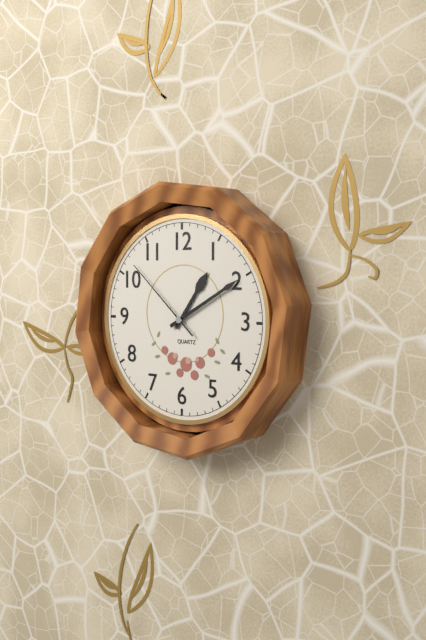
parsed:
1:10:52
